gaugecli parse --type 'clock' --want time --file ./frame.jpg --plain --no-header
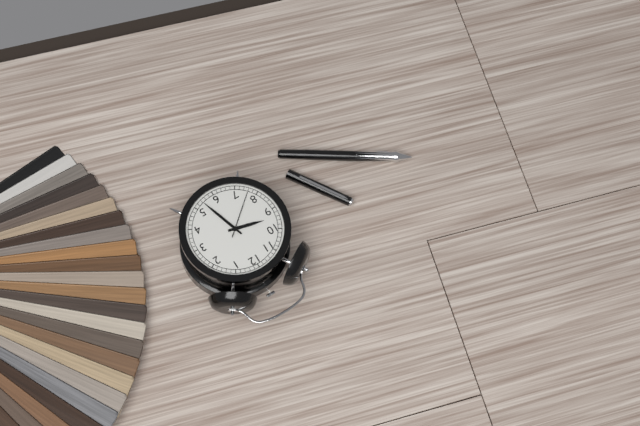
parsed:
9:27
